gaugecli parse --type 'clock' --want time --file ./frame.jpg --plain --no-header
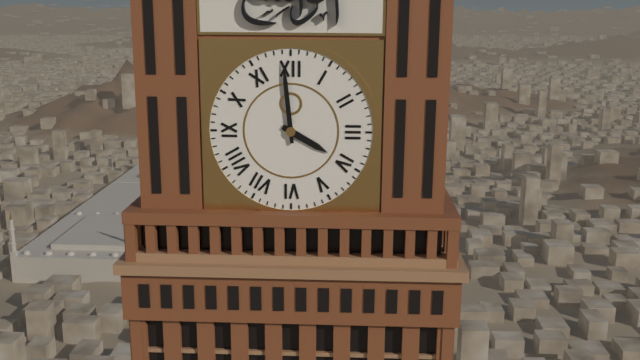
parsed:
3:59
